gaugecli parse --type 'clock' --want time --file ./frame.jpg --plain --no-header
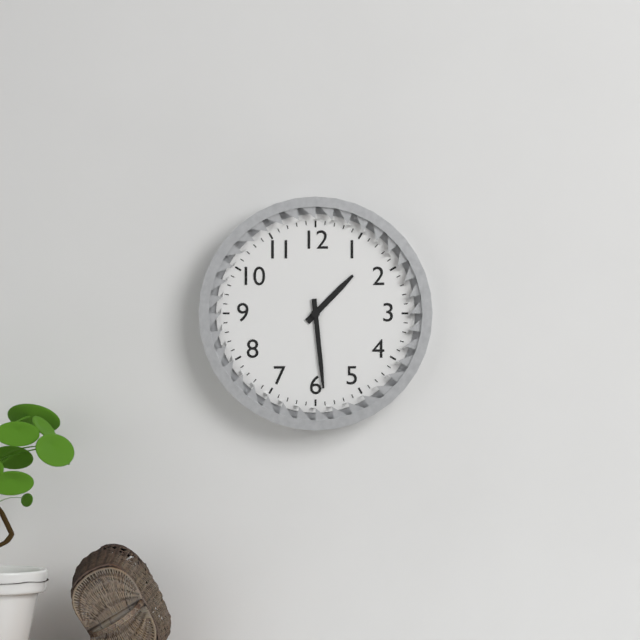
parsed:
1:29
